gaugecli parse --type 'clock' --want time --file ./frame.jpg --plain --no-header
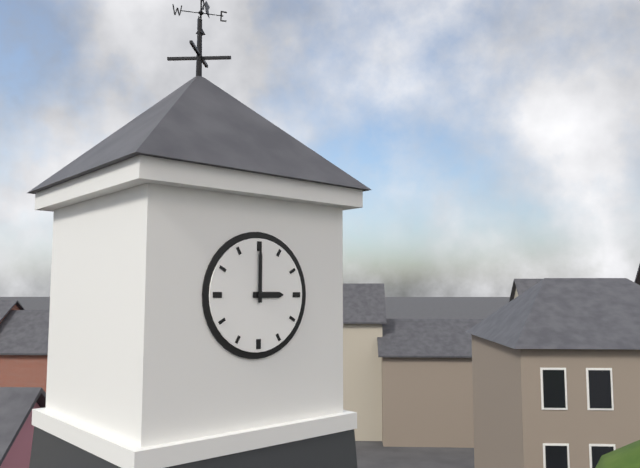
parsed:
3:00
